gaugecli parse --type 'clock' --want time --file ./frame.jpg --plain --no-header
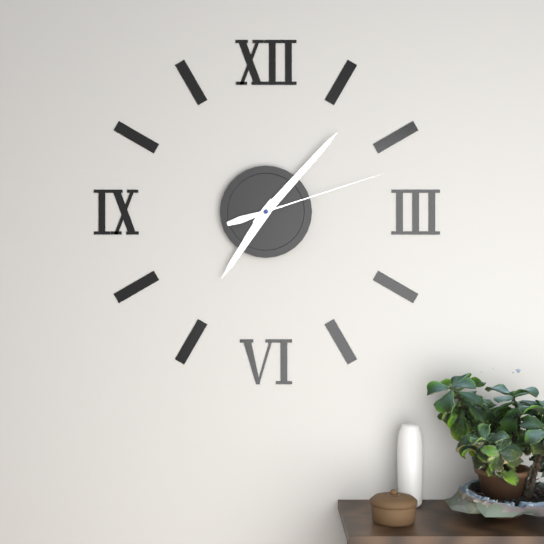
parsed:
7:07:12
